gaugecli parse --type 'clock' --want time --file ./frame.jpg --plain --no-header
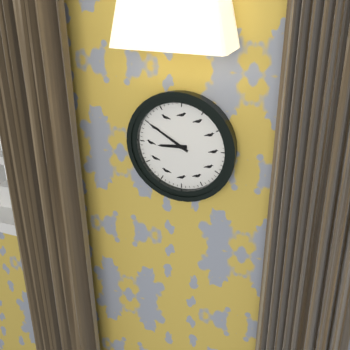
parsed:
8:50
